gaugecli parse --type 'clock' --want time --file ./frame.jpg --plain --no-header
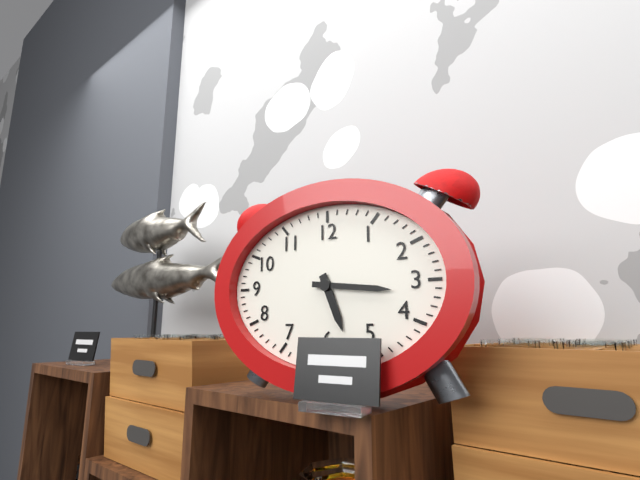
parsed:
5:16
